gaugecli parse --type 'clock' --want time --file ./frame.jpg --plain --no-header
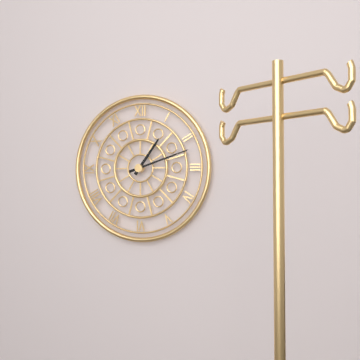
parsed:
1:12
